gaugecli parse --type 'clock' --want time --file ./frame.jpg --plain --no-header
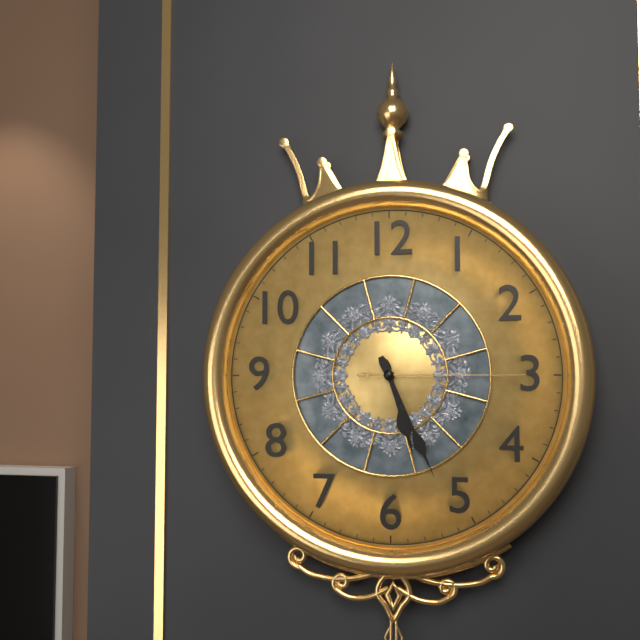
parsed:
5:26:15
